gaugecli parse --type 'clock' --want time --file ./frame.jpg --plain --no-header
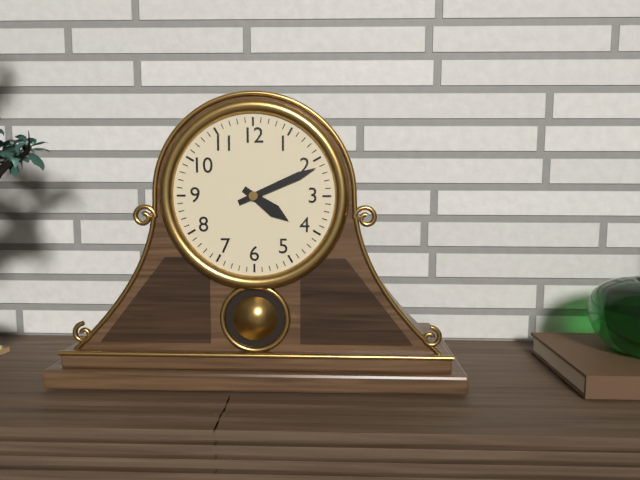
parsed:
4:11
